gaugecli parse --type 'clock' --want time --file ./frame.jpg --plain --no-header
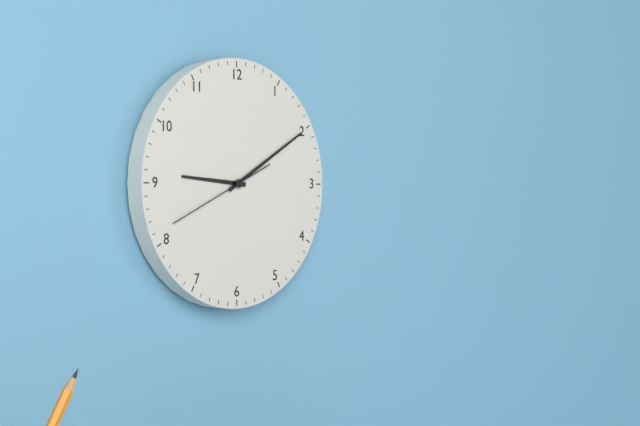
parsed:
9:10:41
